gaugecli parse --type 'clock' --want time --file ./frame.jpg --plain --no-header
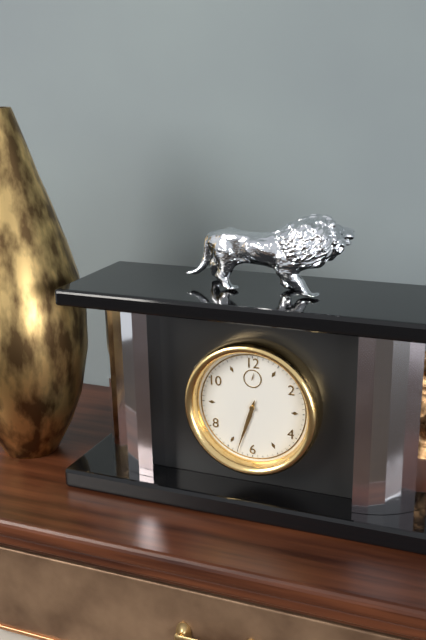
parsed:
6:33
